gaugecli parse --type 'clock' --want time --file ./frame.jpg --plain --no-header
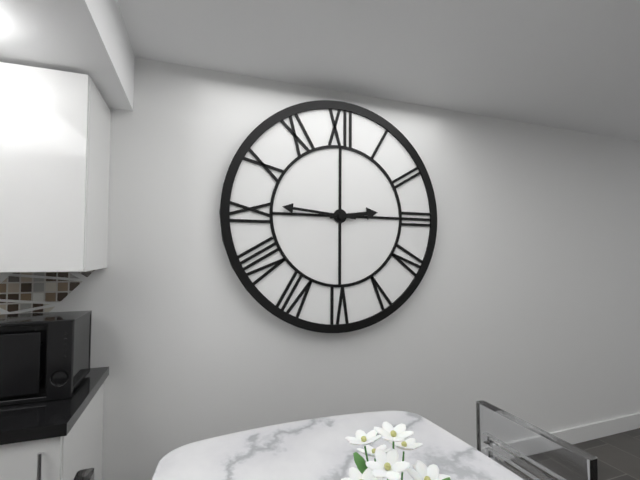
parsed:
2:46
